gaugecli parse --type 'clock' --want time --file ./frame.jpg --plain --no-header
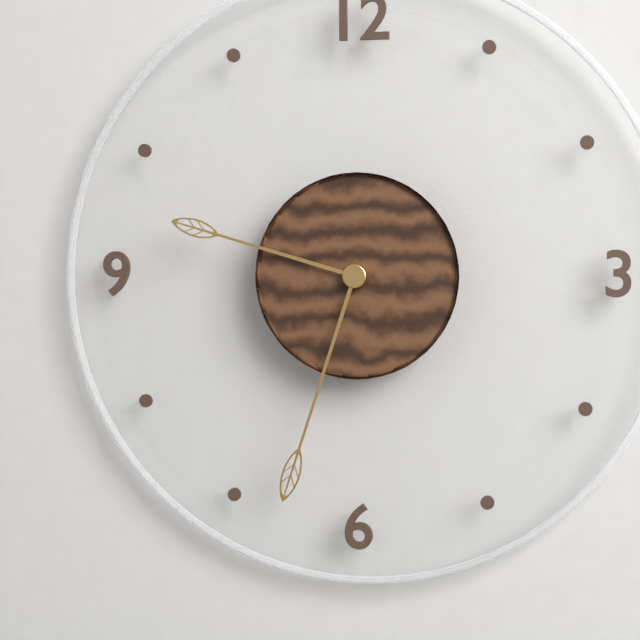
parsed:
9:33
